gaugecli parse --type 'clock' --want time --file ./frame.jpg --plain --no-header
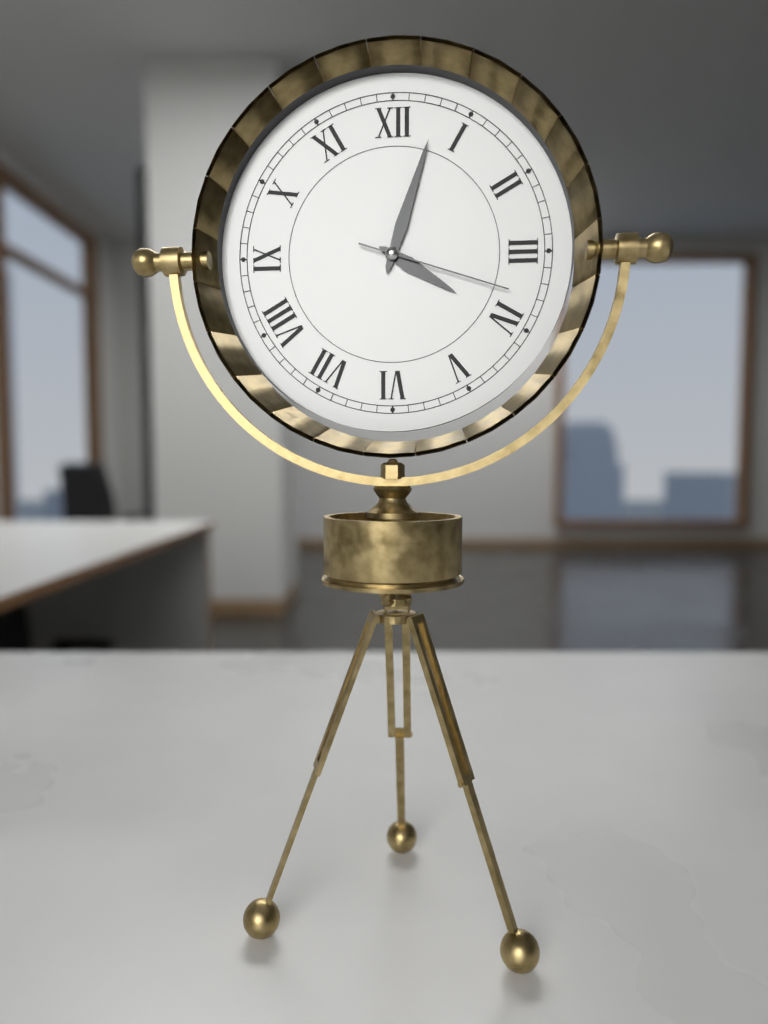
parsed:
4:03:18
